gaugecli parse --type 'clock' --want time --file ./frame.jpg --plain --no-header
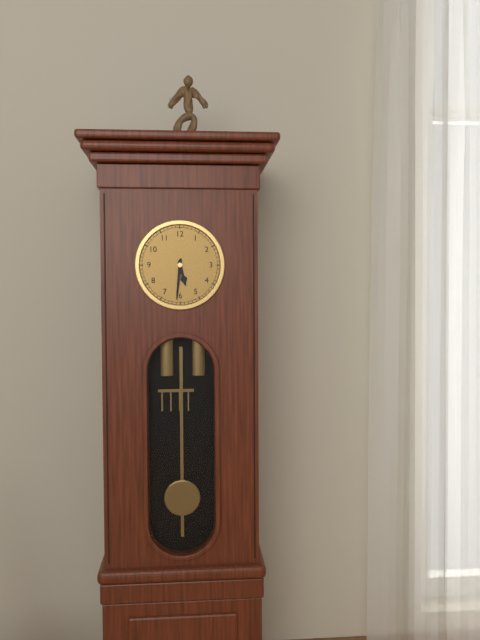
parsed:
5:31
